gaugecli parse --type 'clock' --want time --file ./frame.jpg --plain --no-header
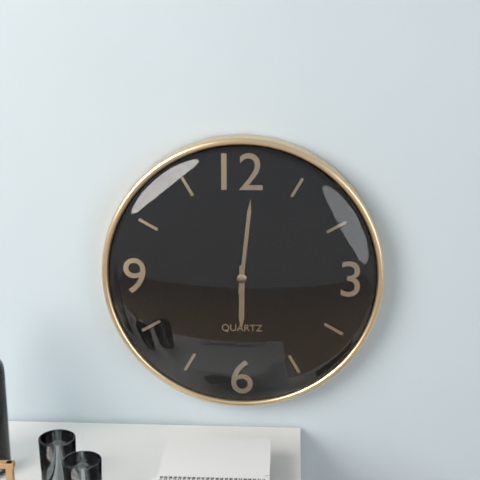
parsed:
6:01
